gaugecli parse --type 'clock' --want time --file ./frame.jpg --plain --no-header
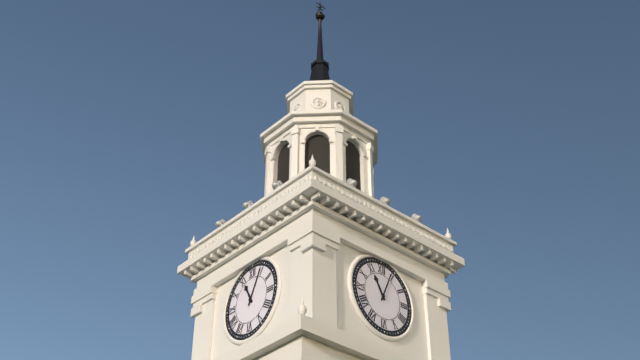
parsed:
11:04
